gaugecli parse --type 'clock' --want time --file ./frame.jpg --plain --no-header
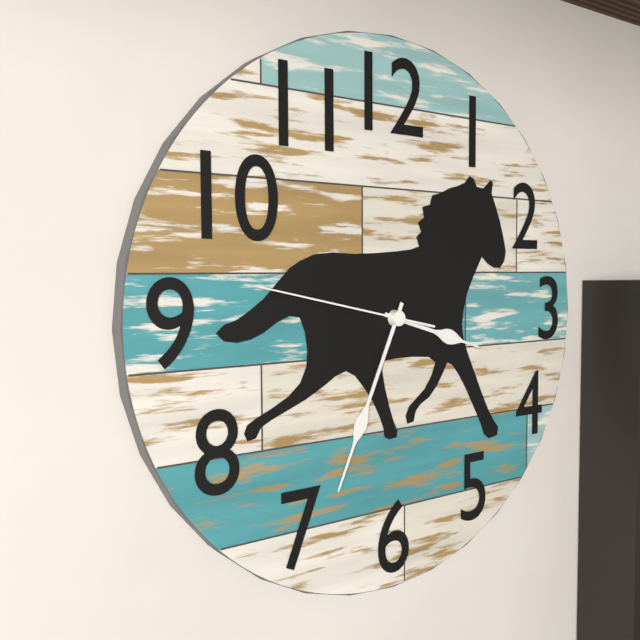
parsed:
3:34:47
